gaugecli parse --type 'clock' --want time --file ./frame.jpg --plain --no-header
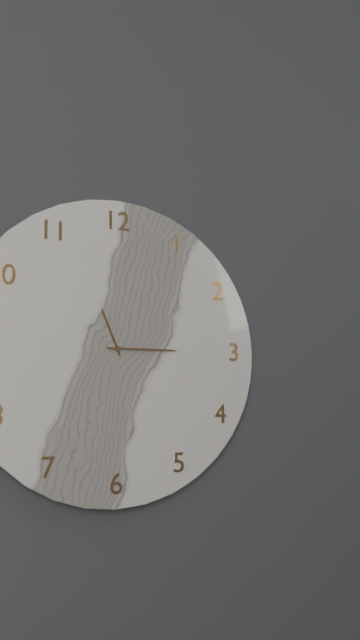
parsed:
11:15
